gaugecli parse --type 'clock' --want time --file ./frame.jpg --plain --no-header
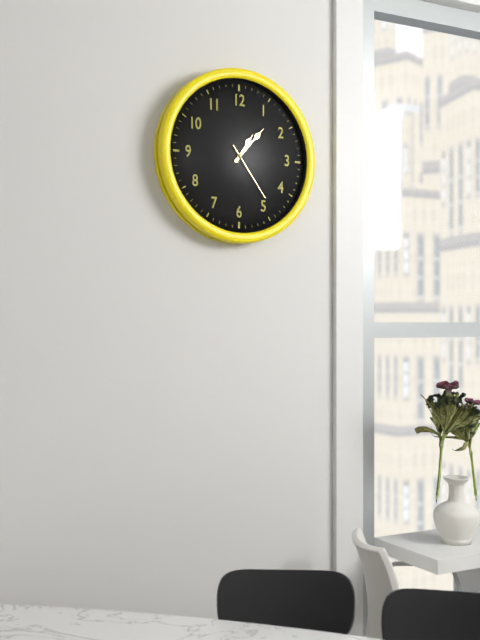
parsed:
1:07:24
